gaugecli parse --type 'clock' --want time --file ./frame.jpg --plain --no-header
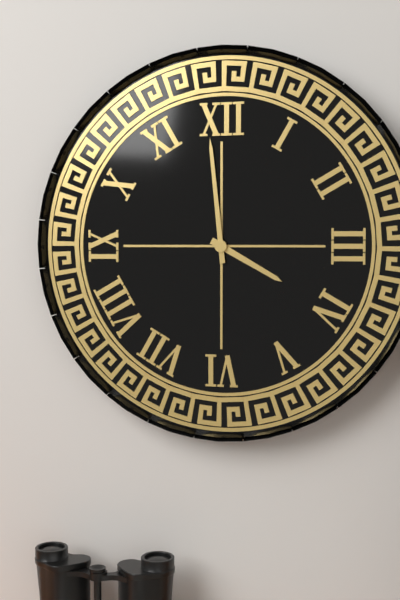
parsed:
3:59
